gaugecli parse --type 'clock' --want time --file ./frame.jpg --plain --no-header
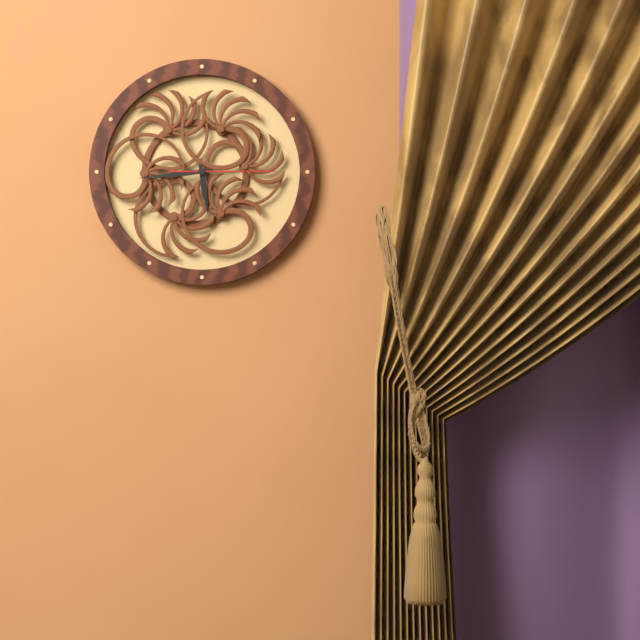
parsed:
5:44:15
